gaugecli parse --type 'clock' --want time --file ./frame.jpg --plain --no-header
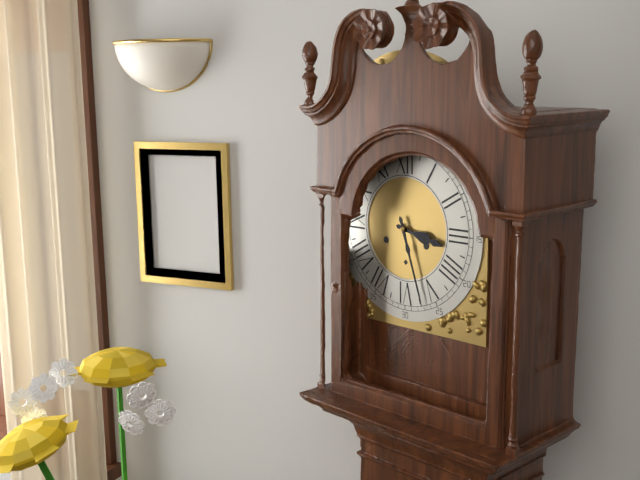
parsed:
3:27
